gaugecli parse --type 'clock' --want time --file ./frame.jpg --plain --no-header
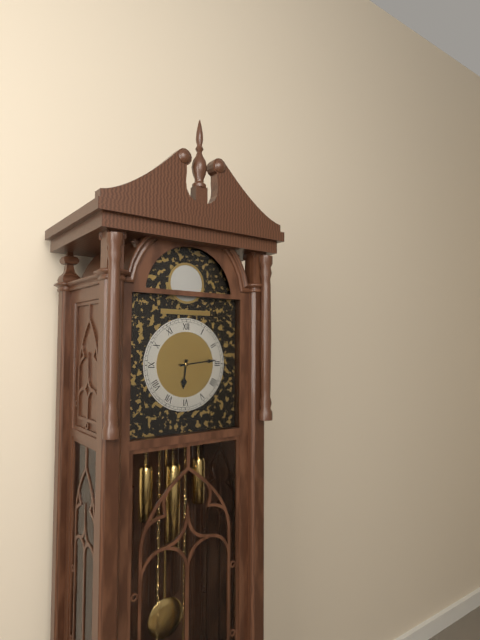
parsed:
6:14
